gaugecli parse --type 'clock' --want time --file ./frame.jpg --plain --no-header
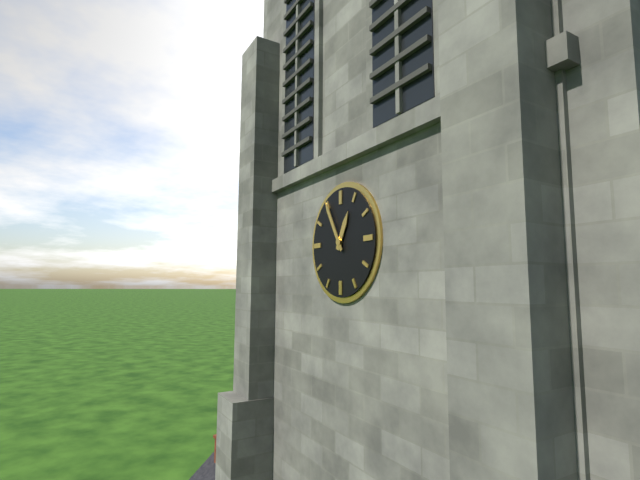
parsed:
12:55
